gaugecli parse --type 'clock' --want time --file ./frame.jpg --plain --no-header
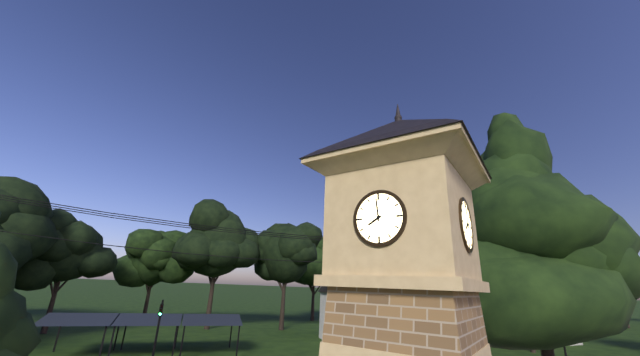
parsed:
7:59
